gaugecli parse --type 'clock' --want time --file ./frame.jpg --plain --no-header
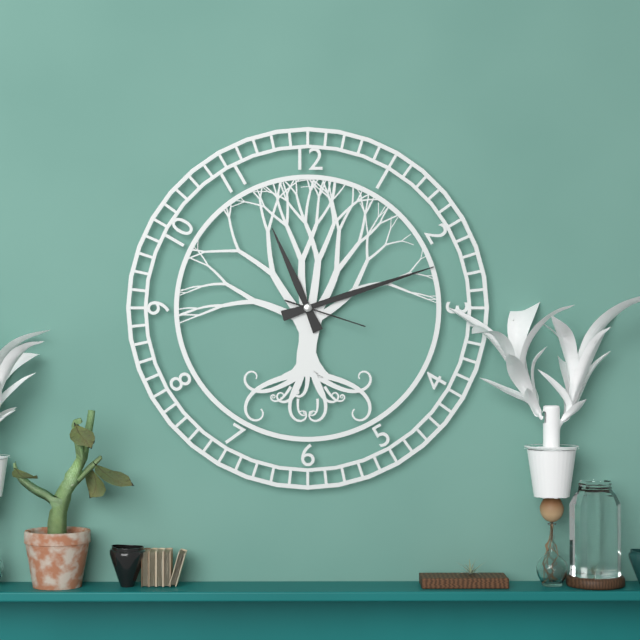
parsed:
11:12:18
